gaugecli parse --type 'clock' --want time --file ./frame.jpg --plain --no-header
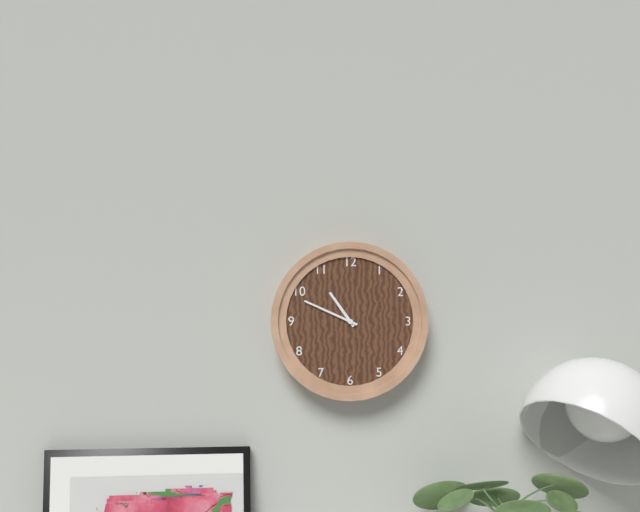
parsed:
10:49
